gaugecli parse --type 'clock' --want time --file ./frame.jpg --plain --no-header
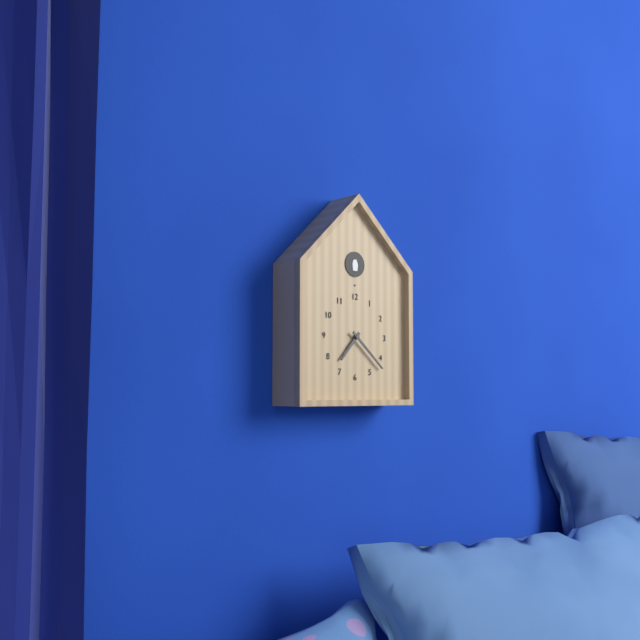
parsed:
7:22
